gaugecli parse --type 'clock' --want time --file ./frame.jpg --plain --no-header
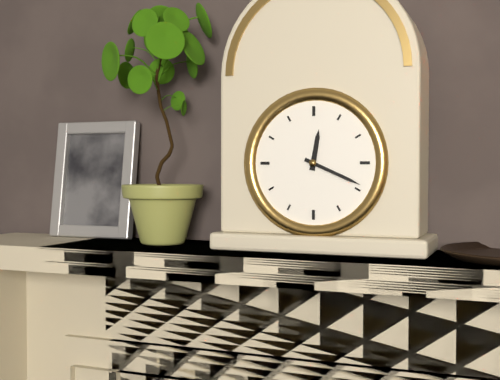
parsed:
12:19
